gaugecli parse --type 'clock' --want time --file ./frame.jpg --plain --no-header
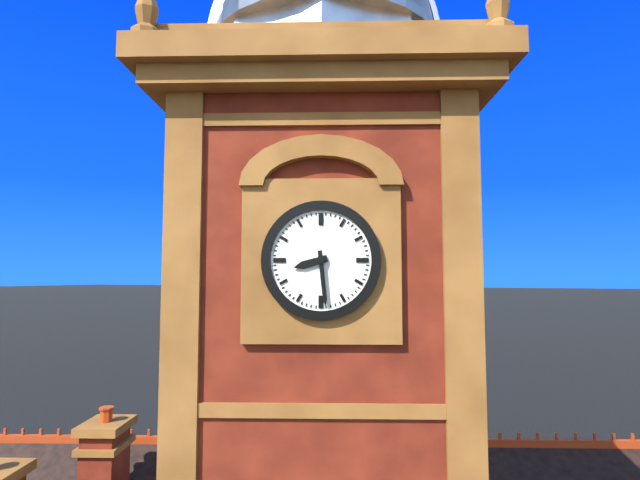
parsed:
8:29
